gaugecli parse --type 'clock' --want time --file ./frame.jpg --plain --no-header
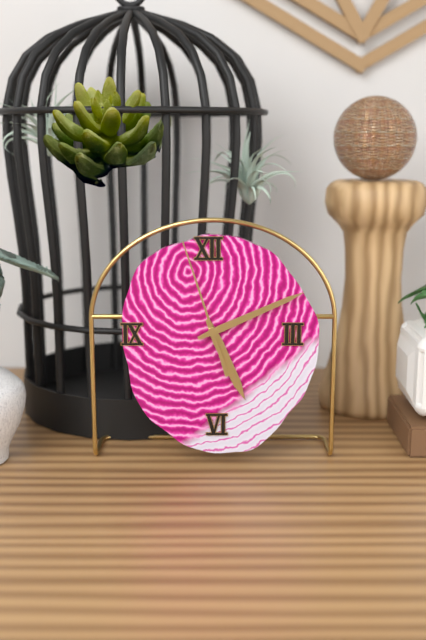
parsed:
5:11:57
